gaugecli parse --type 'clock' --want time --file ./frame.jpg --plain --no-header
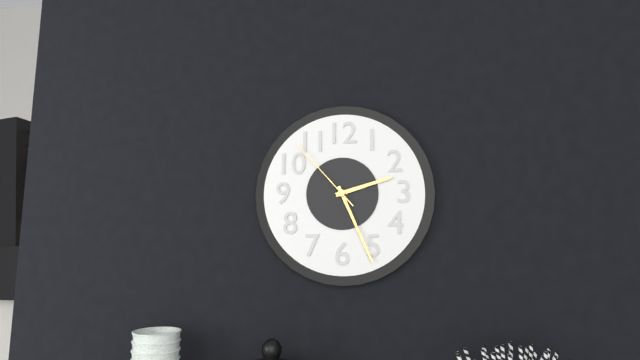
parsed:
2:26:53
